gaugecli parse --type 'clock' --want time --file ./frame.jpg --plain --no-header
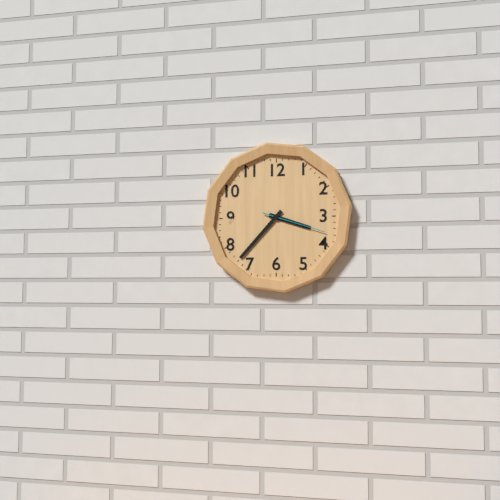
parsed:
3:37:18
